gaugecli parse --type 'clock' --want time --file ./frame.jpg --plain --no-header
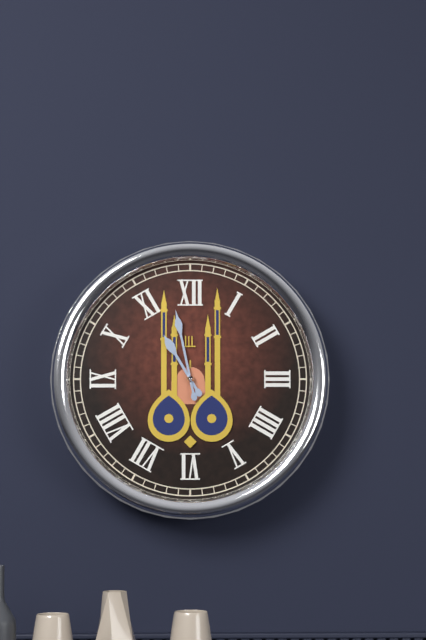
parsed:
10:58
